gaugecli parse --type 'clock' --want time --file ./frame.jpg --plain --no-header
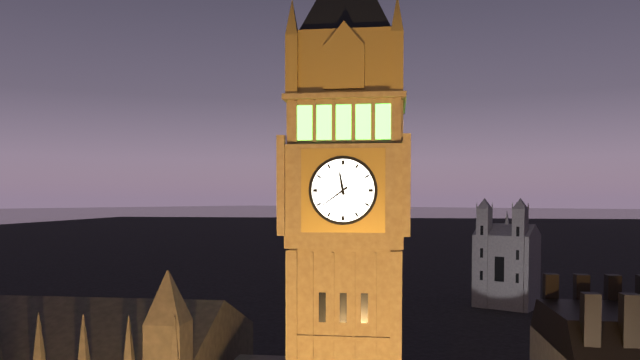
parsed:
11:39
